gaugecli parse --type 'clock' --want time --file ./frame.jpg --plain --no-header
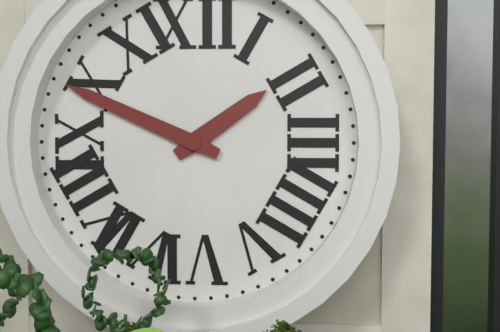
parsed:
1:49
